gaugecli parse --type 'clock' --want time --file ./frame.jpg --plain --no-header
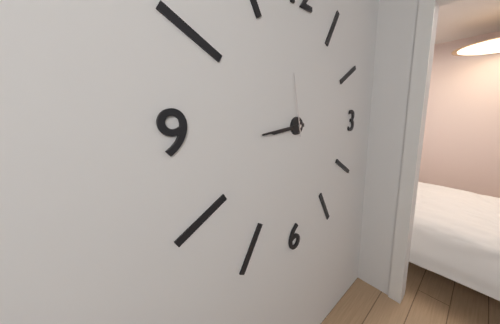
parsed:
8:44:58
